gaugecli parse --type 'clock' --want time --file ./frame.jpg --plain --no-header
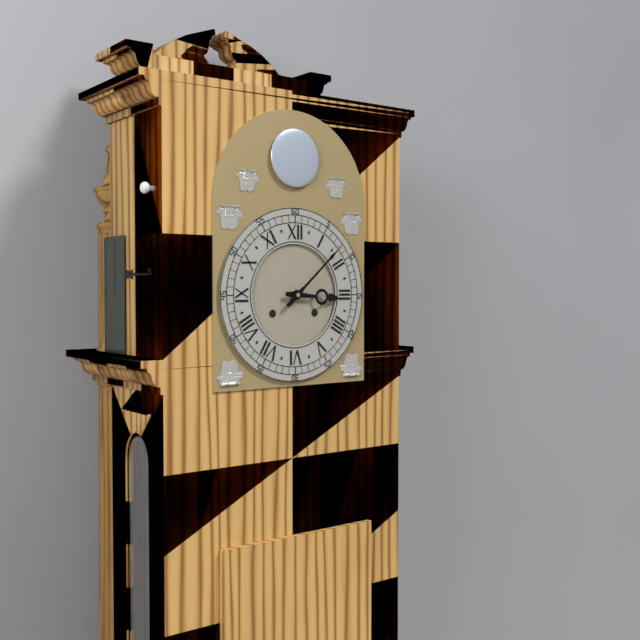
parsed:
3:08
